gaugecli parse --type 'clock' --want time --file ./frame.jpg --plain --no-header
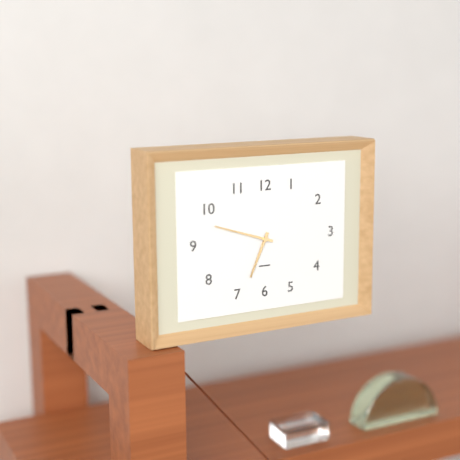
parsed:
6:48
